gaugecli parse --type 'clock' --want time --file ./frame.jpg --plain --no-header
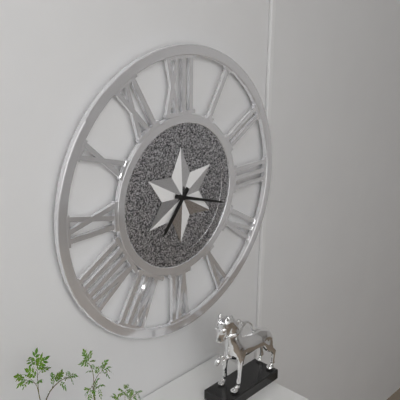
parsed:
7:18
